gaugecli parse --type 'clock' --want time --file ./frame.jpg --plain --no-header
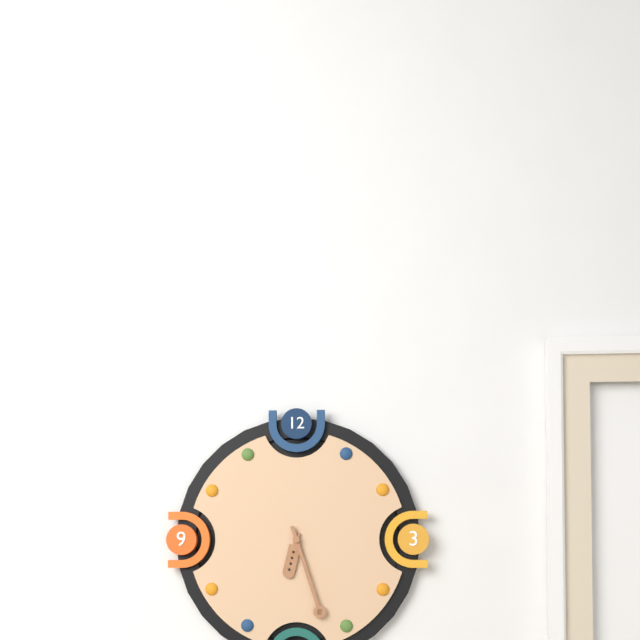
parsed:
6:27
